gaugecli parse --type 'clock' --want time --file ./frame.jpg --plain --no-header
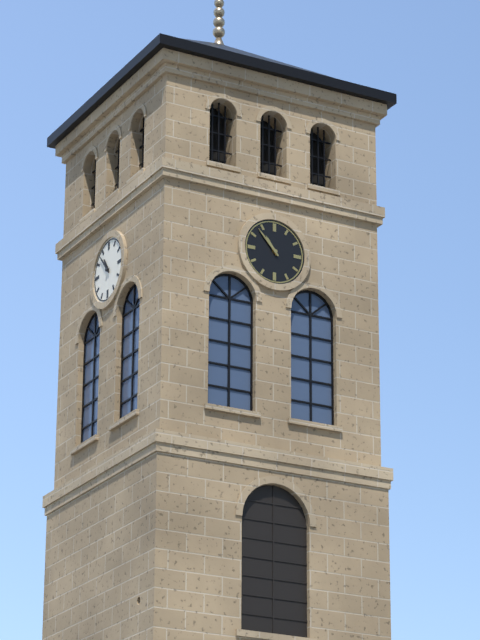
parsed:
10:53
